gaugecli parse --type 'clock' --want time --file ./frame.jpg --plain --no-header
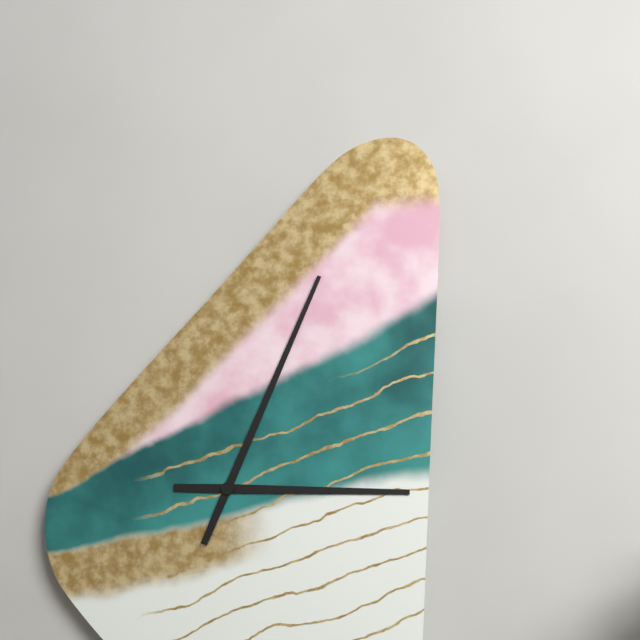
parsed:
3:04
